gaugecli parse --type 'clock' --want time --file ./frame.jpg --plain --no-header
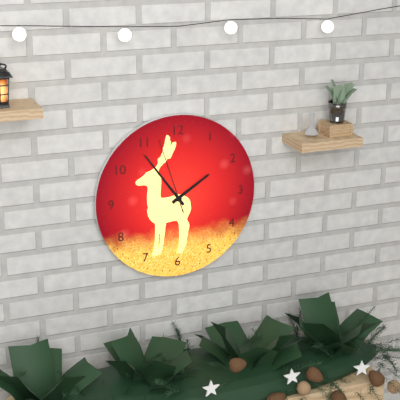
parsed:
1:54:57
